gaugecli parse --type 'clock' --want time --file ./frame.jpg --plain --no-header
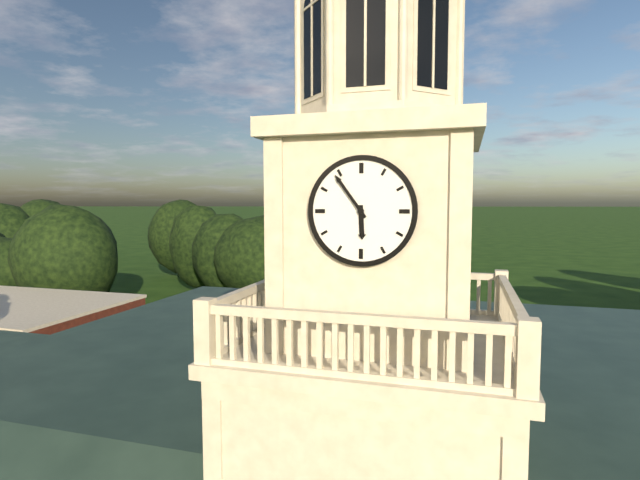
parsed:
5:54
